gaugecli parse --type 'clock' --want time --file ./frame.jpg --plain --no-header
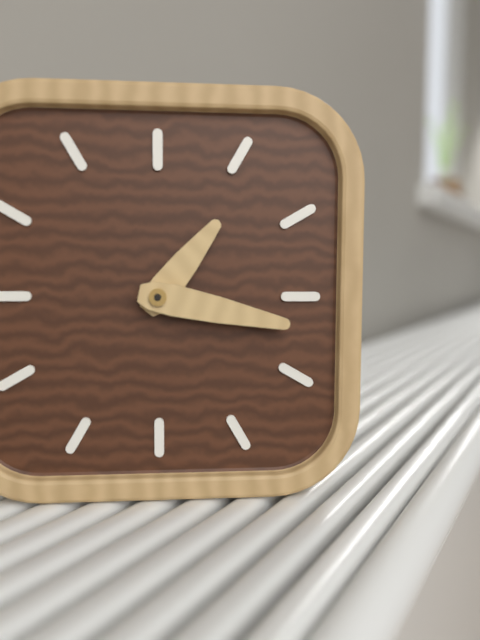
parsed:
1:17
